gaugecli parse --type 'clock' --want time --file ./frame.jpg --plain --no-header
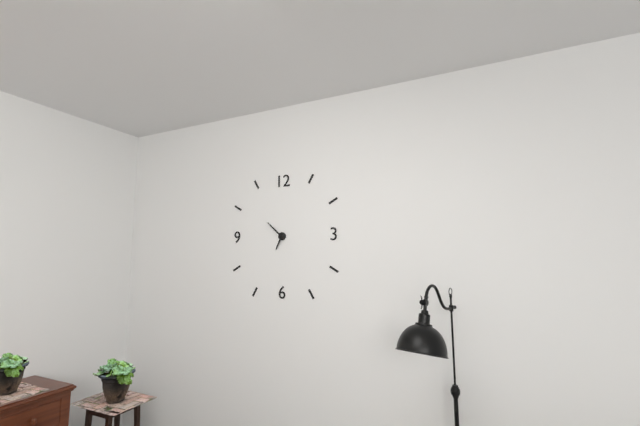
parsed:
6:52
